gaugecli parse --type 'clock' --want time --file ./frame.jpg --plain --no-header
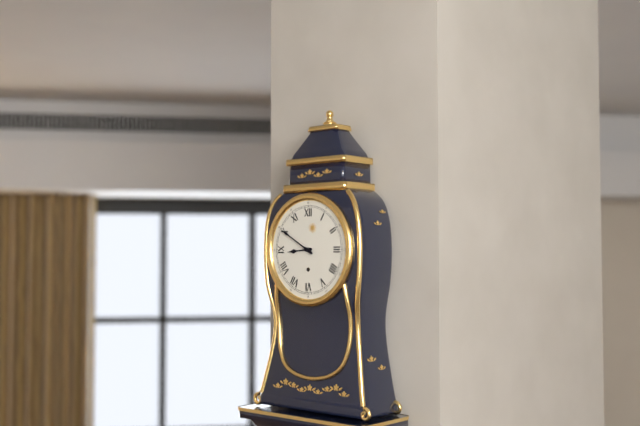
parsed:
8:50
